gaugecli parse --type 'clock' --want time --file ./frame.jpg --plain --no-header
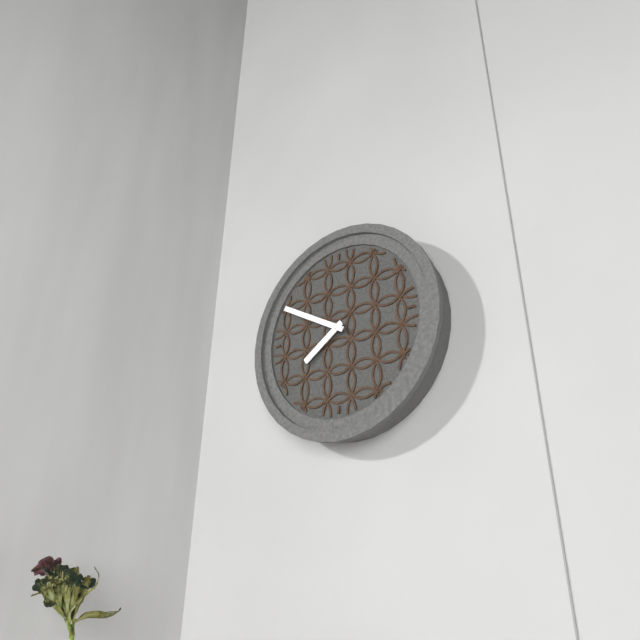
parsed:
7:50
